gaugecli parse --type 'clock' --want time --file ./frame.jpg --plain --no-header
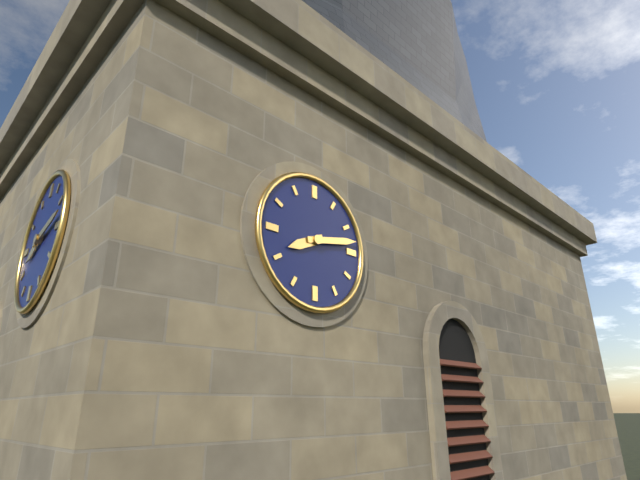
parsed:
8:13
